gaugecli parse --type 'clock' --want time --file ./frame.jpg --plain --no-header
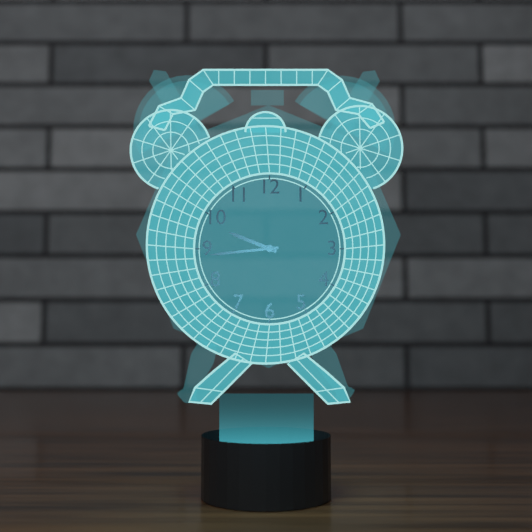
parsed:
9:44
